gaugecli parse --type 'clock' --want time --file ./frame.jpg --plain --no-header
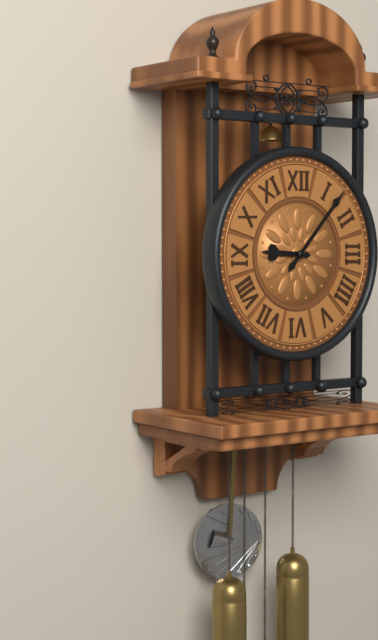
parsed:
9:07
